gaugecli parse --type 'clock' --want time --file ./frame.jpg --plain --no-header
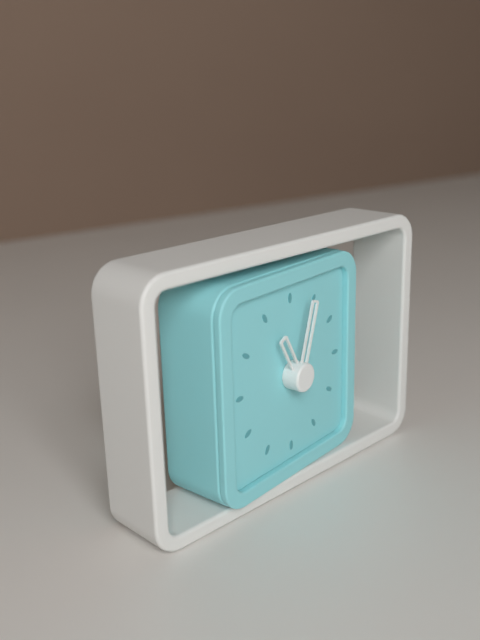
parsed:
11:03
